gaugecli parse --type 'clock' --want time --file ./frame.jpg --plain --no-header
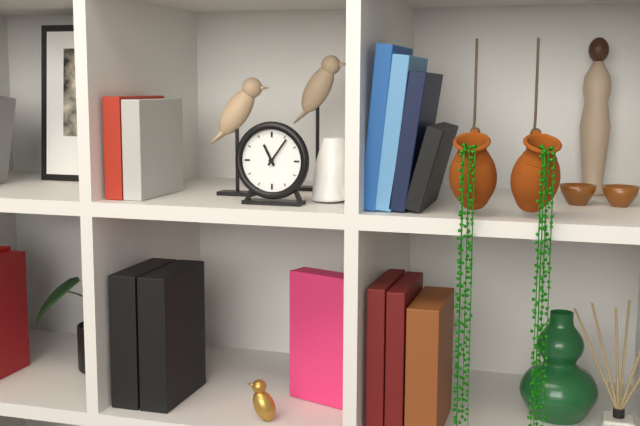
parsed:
11:06
